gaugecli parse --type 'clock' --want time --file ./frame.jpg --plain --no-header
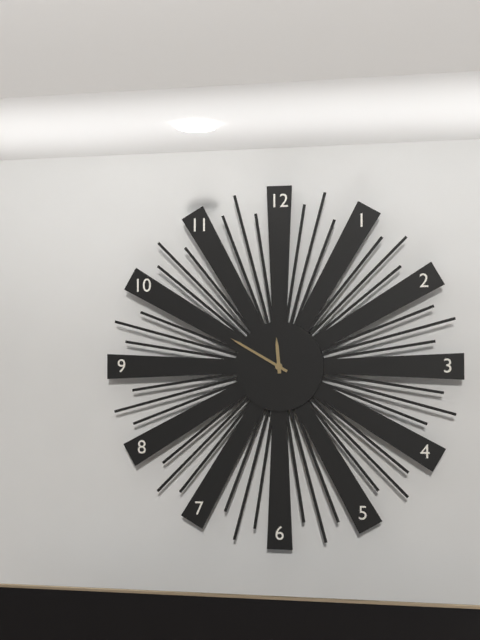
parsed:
11:50
